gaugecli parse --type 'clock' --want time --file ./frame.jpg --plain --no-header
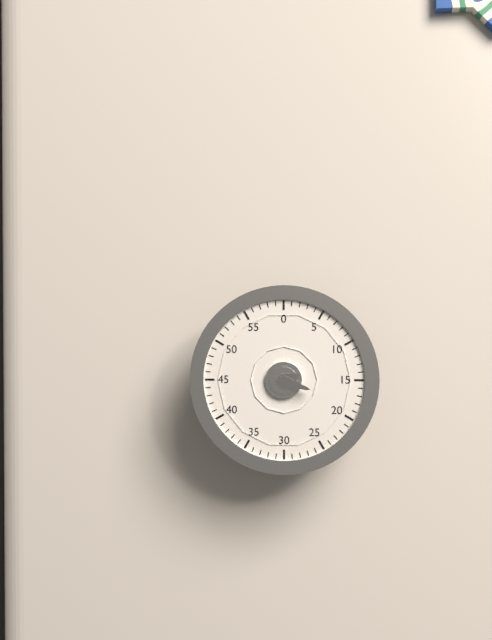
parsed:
2:18
